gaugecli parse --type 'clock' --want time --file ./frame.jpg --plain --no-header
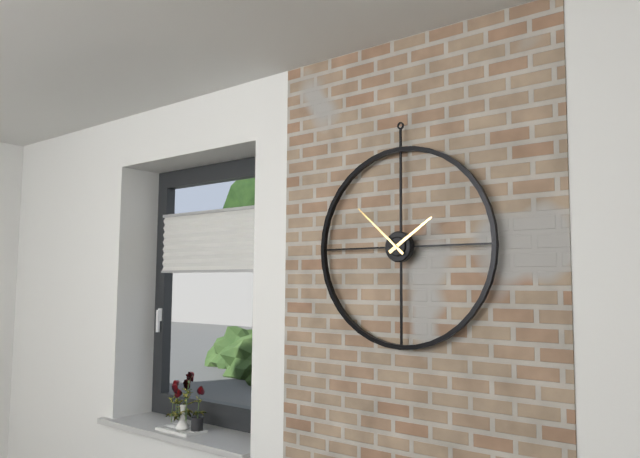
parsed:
1:52
